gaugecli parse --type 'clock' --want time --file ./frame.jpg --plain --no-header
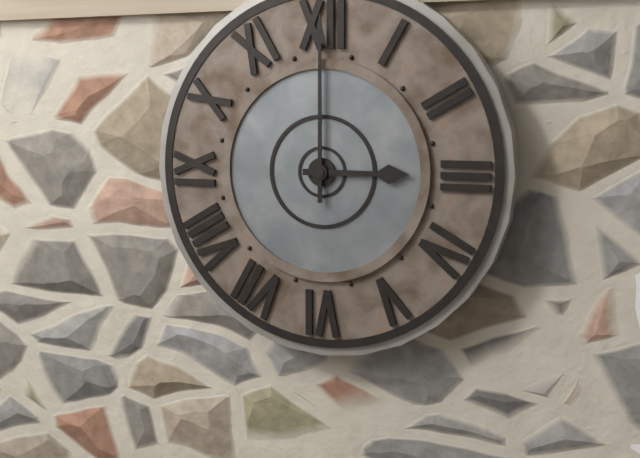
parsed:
3:00
